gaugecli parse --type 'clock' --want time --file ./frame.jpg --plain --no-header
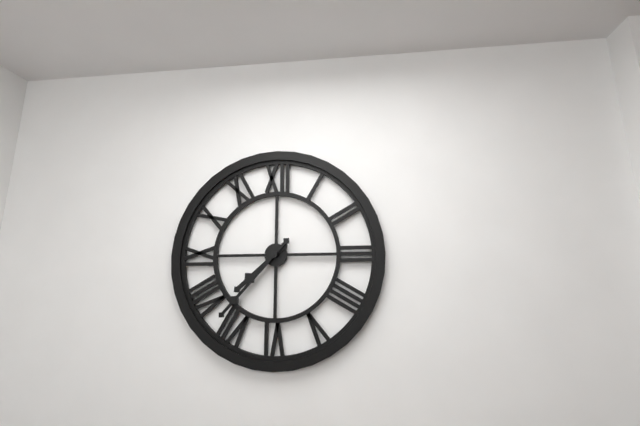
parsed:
7:37
